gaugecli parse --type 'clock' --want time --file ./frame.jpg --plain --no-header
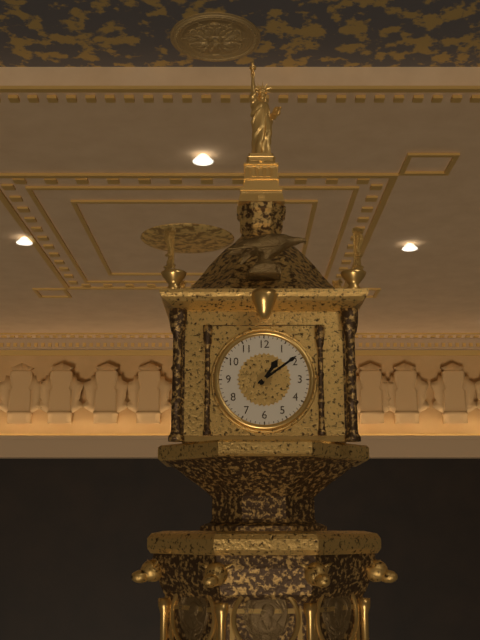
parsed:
1:09
